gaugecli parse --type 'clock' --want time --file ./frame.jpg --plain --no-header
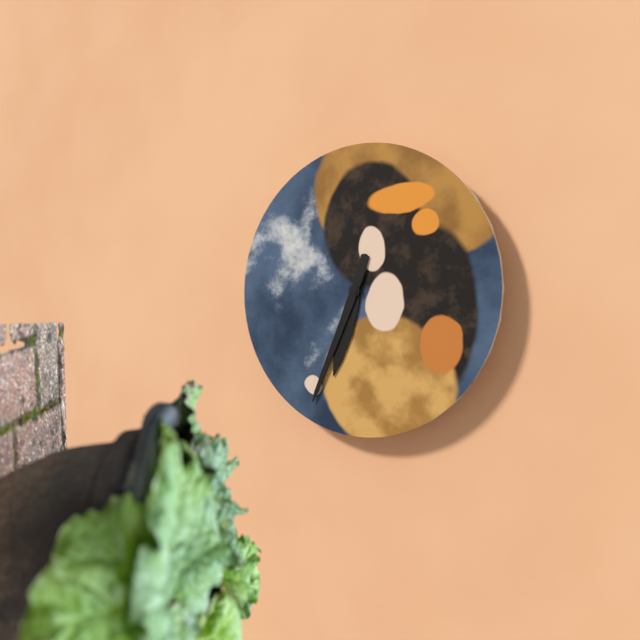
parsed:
6:34
